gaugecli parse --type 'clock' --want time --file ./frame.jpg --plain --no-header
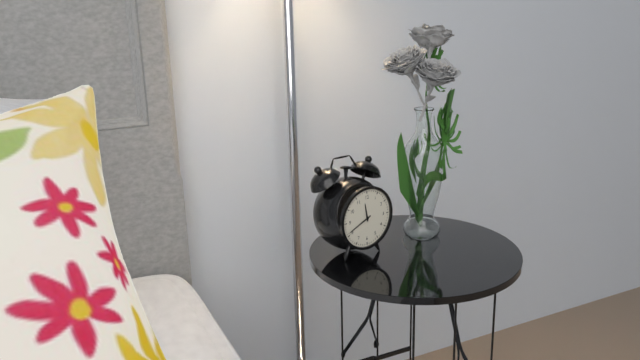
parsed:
11:41
